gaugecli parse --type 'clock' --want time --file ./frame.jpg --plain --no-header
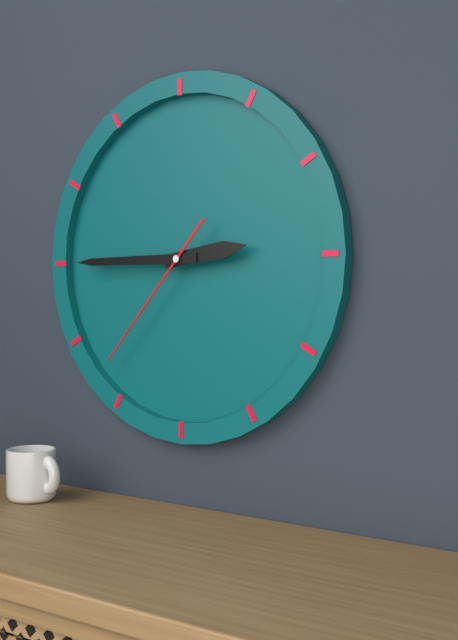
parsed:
2:45:37
